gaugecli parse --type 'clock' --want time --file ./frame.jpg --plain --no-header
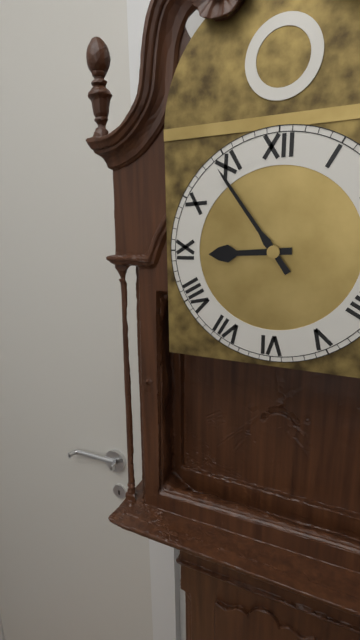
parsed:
8:54
